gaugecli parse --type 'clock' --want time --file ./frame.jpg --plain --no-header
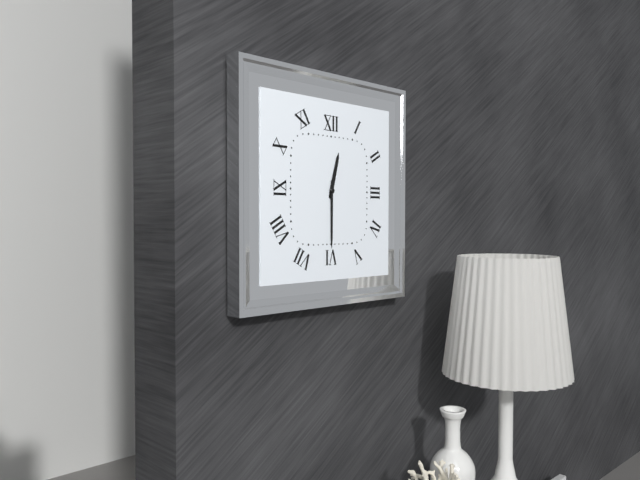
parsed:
12:30
